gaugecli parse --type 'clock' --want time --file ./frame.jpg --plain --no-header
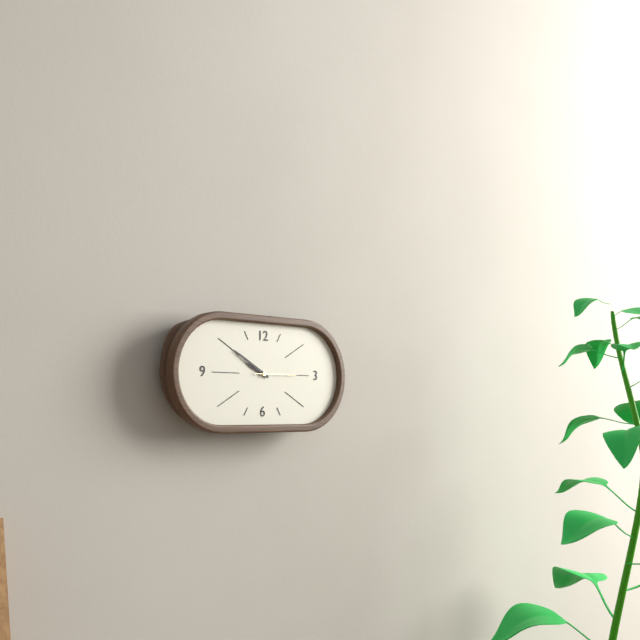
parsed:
9:50
